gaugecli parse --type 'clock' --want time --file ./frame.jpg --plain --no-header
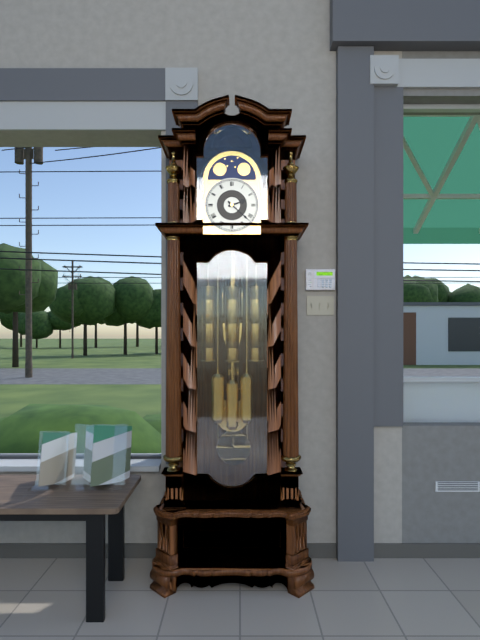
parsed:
2:22
